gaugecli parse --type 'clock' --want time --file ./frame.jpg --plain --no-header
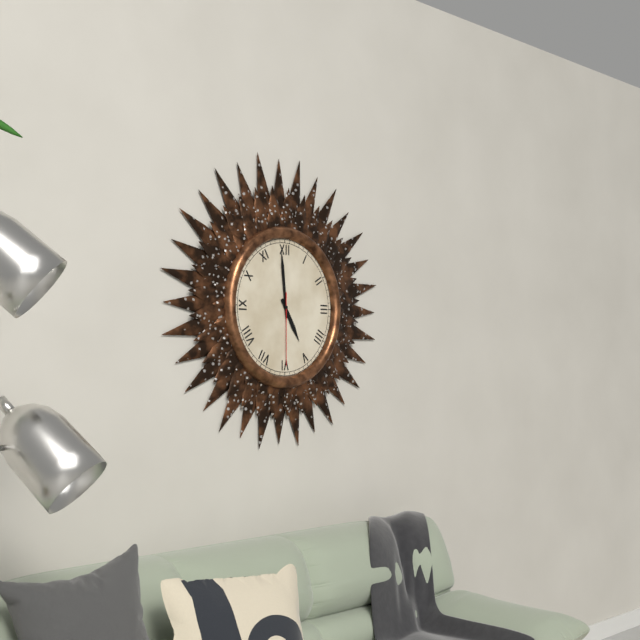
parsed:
4:59:30
